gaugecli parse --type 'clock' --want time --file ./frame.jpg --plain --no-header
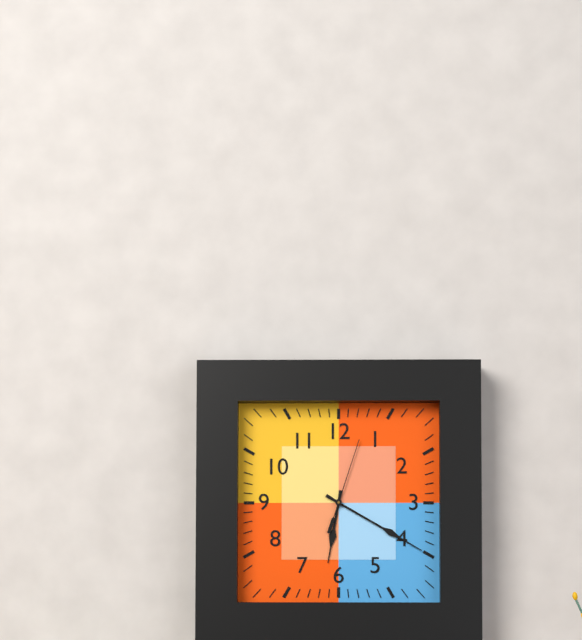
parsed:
6:20:03
